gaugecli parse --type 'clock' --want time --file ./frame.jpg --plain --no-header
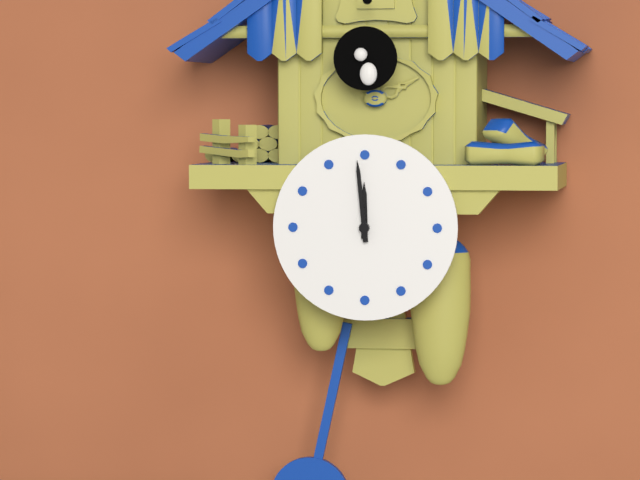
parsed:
11:59
